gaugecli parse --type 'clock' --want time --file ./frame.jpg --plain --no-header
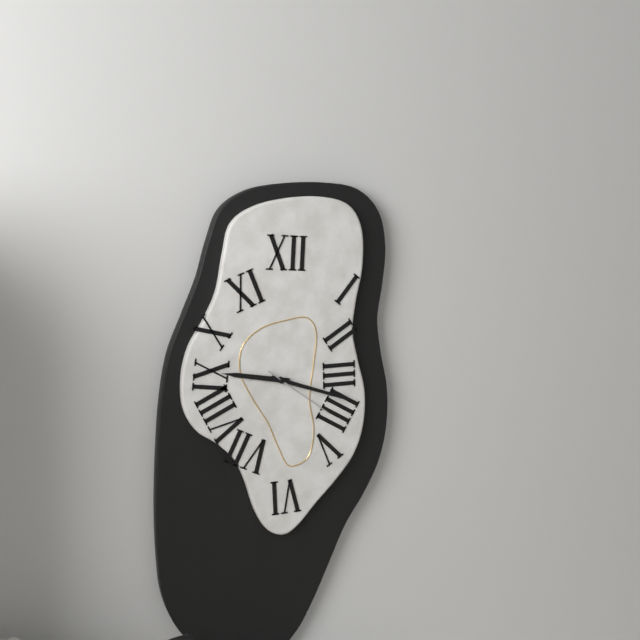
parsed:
9:18:21
